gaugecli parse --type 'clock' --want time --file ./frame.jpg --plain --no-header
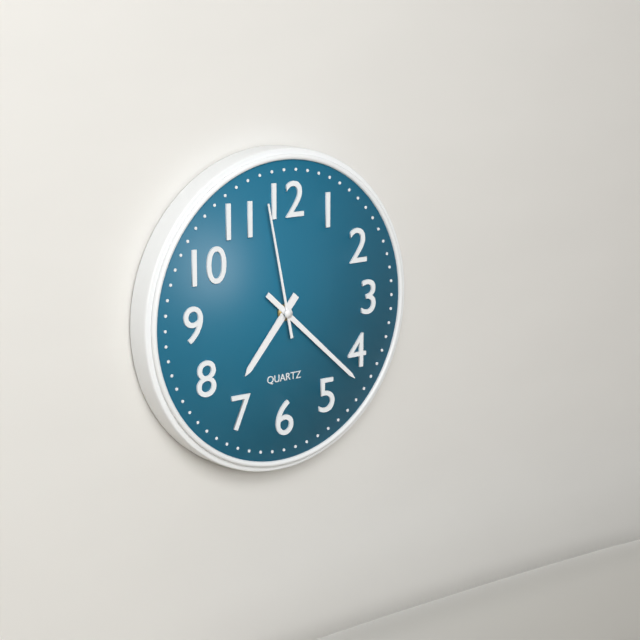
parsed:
7:22:58
